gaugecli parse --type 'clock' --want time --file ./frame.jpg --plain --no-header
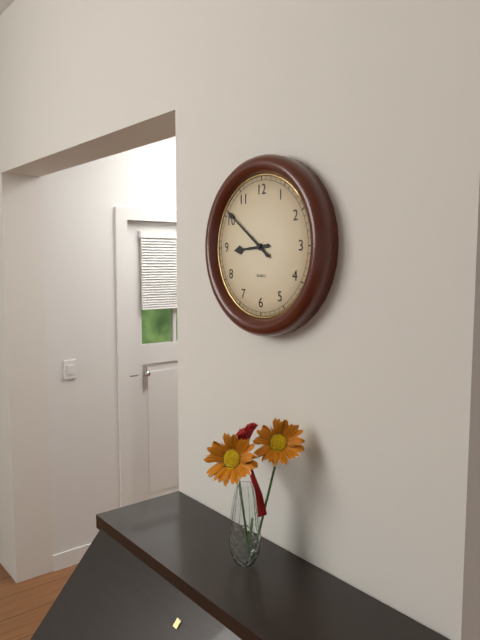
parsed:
8:51
